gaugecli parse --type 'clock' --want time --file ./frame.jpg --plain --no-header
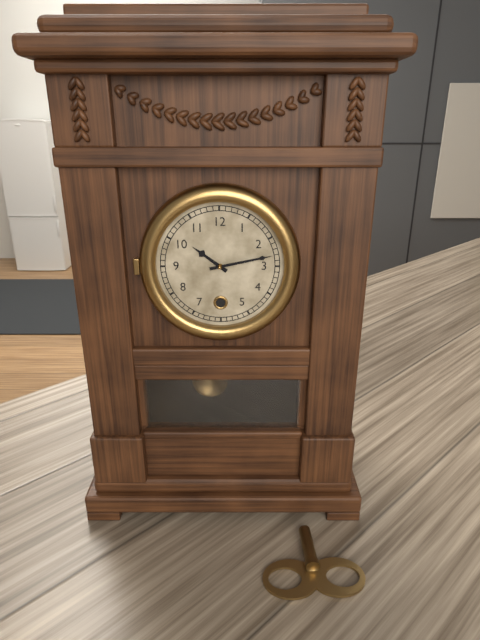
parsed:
10:13
